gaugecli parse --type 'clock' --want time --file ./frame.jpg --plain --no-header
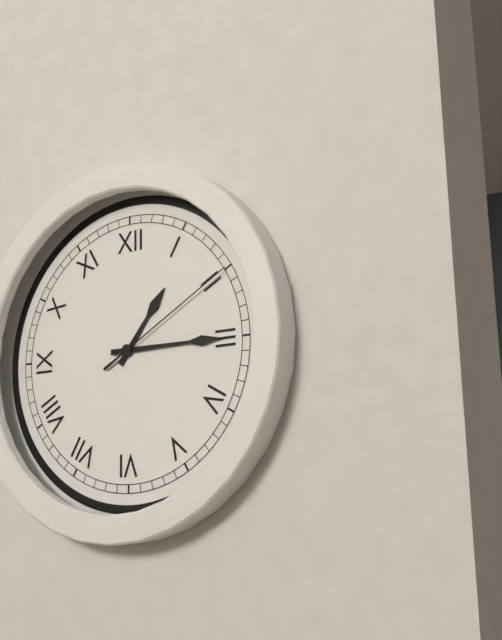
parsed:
1:15:10
